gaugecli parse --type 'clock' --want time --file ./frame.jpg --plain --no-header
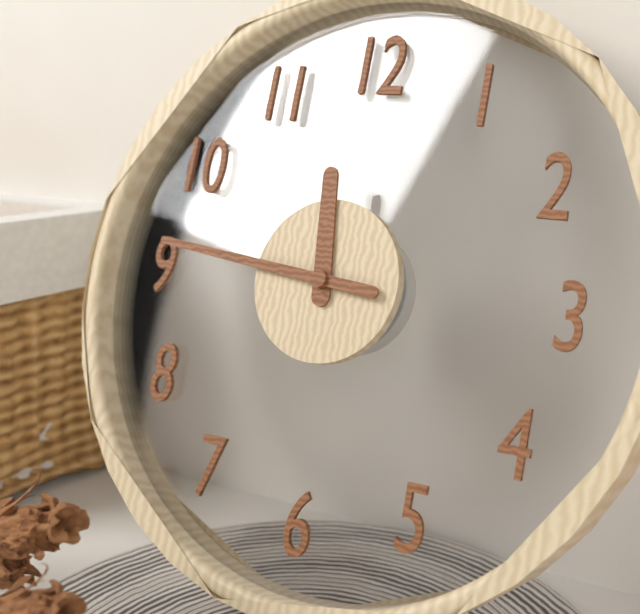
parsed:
11:46
